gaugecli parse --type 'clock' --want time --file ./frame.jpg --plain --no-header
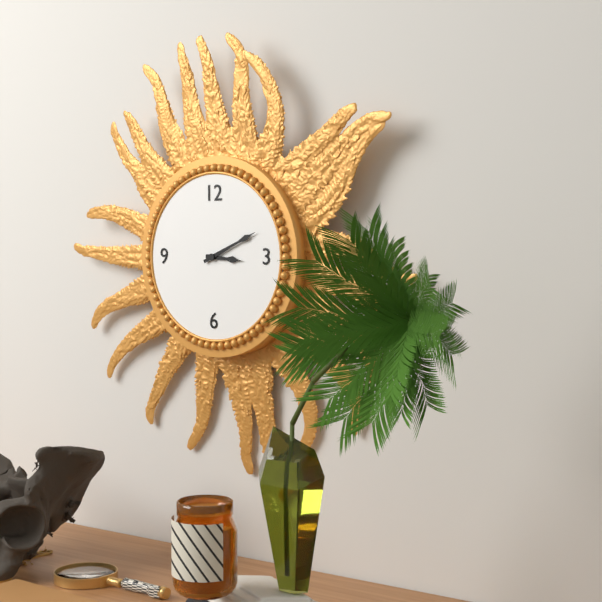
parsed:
3:11
